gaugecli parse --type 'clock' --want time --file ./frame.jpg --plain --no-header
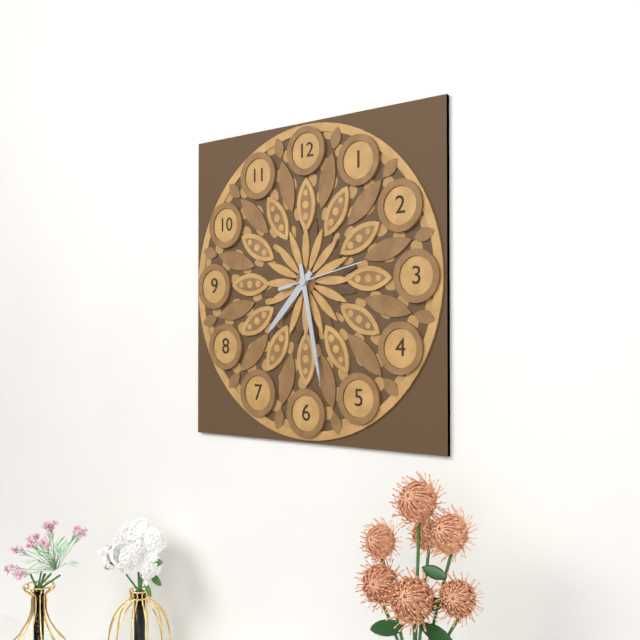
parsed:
7:28:13
